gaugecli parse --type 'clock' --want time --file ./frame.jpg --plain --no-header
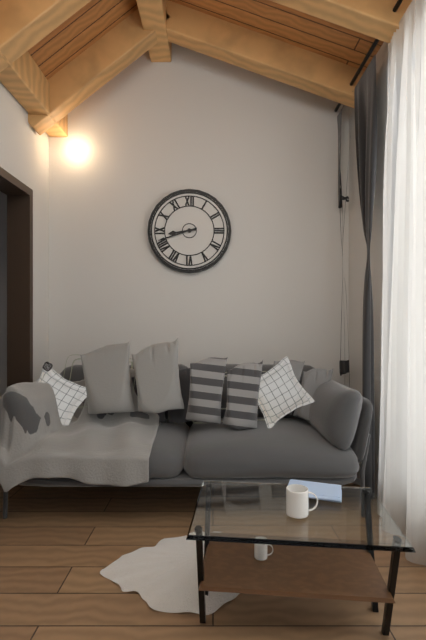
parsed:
8:42
